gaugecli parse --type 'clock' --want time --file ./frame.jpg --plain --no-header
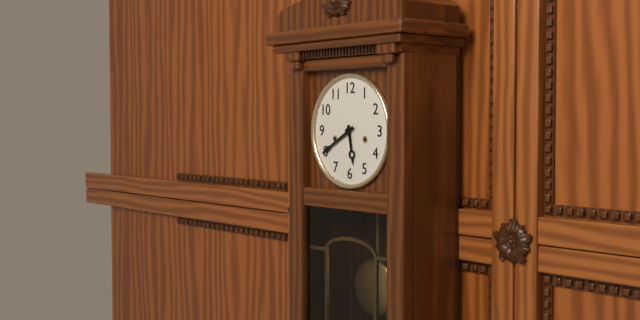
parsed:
5:40
